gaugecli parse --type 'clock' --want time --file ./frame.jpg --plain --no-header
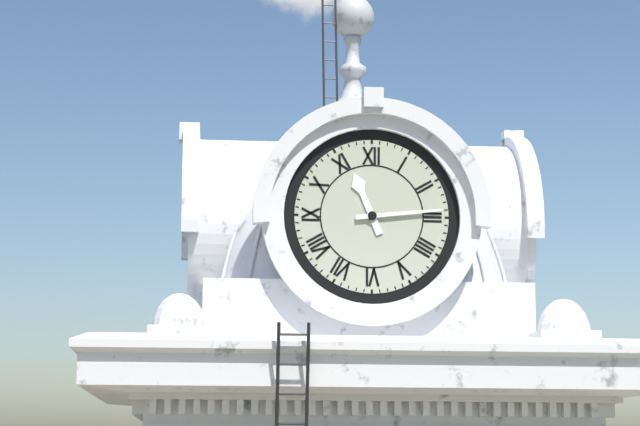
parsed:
11:14
